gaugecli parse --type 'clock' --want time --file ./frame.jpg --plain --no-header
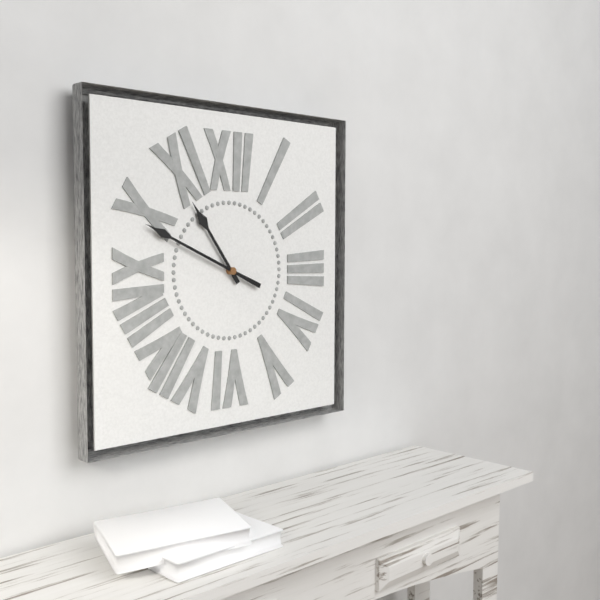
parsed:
10:49
